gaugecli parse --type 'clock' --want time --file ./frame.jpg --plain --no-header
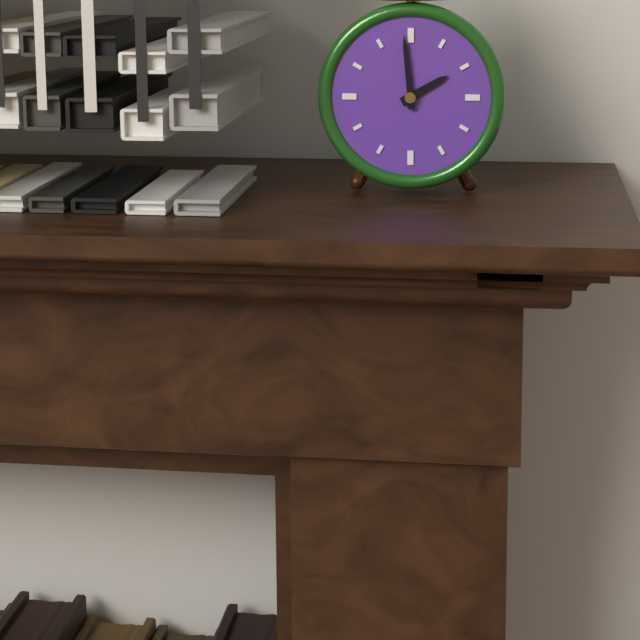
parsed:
1:59
